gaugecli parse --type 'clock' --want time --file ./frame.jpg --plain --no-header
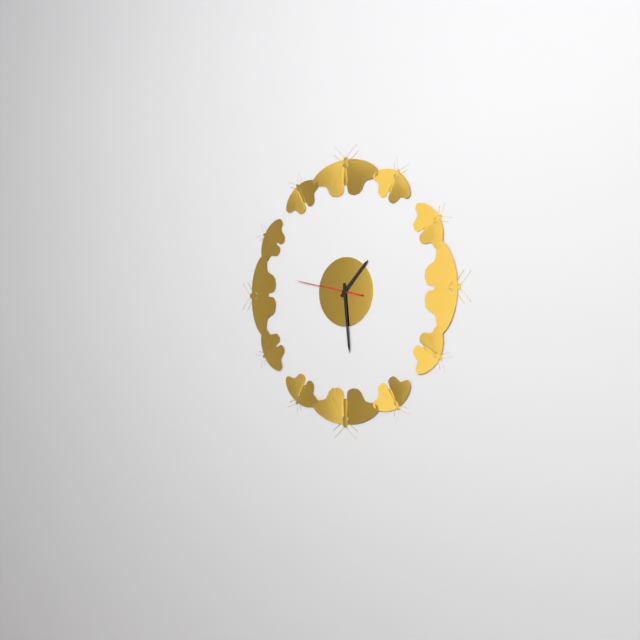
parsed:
1:29:47
